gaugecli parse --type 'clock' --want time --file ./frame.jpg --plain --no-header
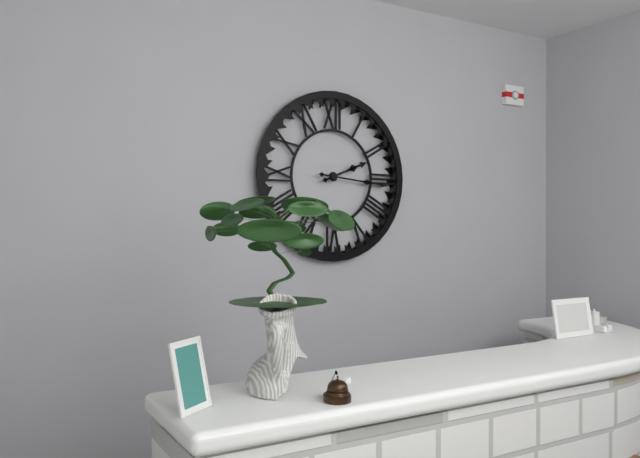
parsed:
2:16
